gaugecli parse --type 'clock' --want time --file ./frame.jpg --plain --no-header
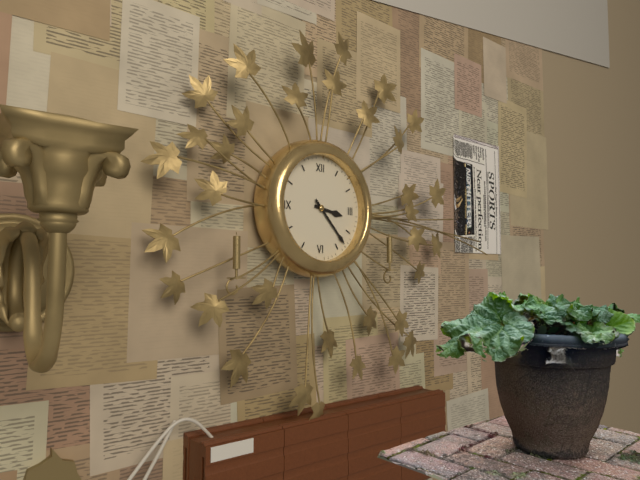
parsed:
3:23
